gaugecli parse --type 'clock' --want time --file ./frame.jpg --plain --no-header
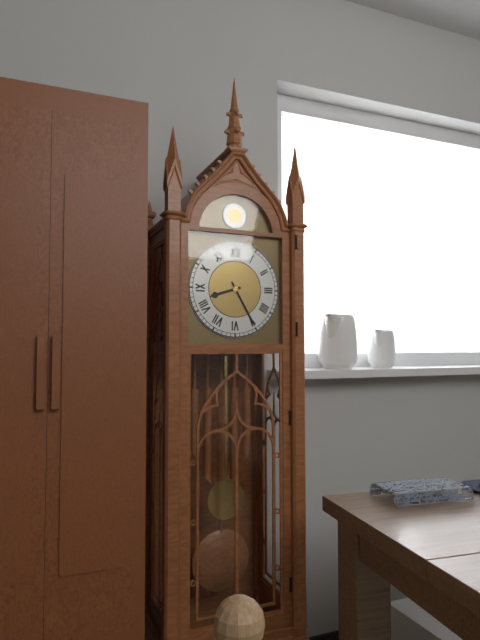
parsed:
8:25
